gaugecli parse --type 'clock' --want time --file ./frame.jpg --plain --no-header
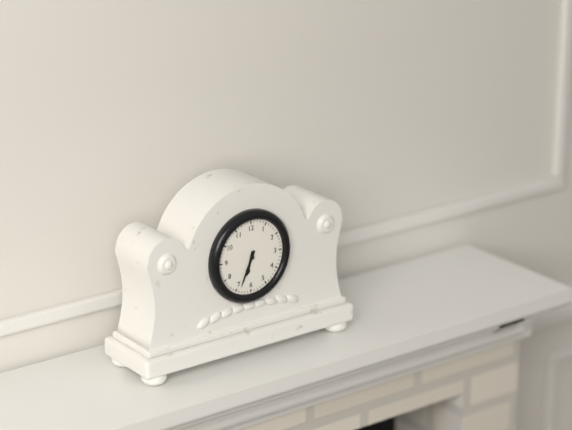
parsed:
6:34
